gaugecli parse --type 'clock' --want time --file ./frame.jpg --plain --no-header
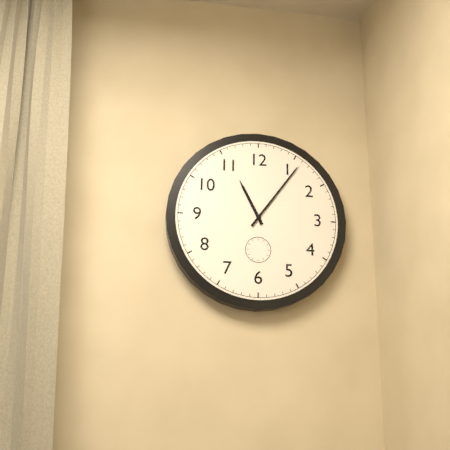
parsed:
11:06
